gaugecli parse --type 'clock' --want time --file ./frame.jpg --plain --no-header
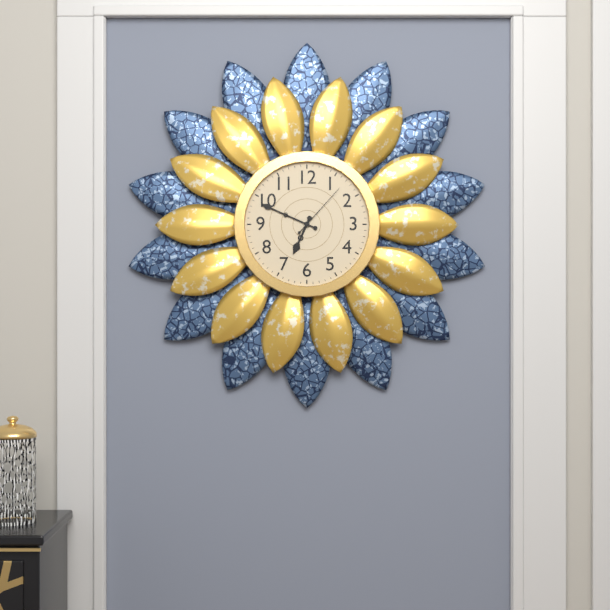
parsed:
6:49:07
